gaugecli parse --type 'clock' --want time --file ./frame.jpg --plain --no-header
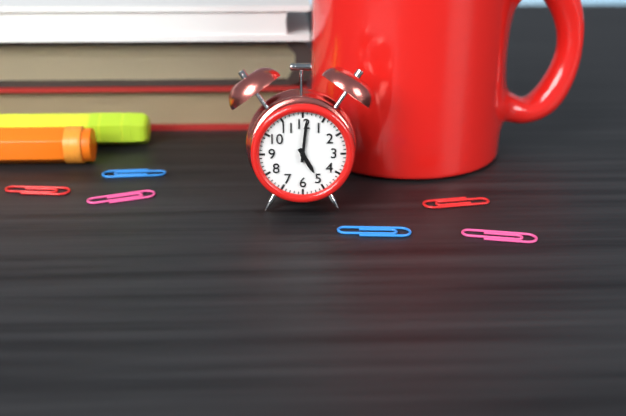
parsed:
5:01
